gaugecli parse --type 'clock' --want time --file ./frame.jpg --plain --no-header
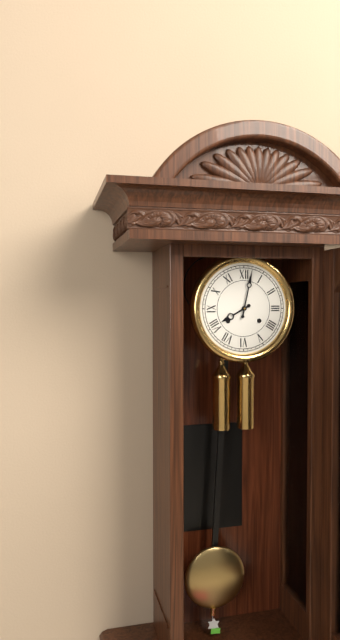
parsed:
8:02
